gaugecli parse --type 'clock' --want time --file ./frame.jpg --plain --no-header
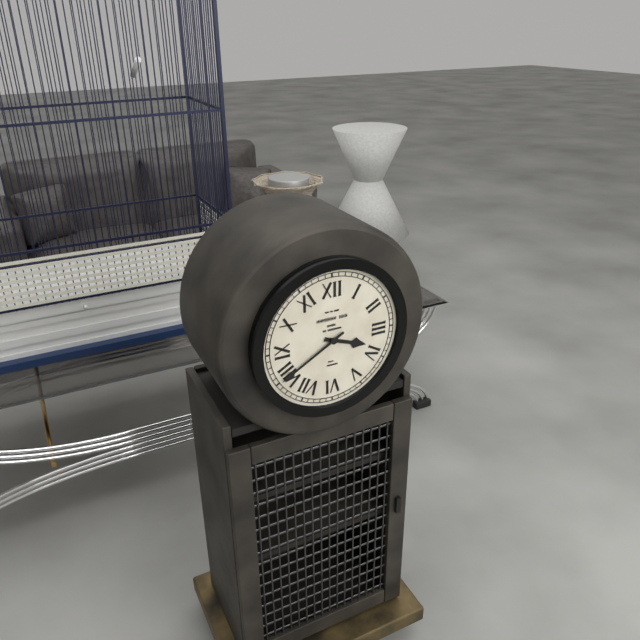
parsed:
3:40
